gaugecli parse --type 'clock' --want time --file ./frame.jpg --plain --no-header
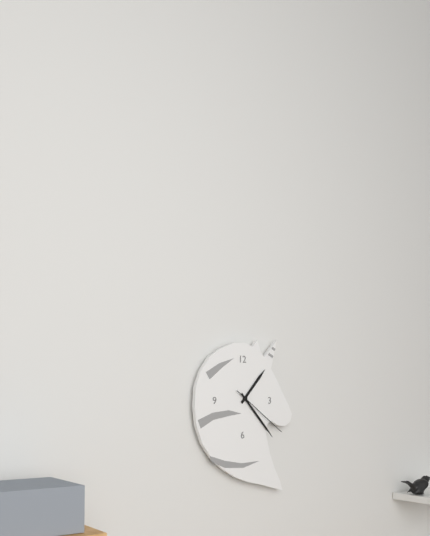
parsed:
1:23:21
